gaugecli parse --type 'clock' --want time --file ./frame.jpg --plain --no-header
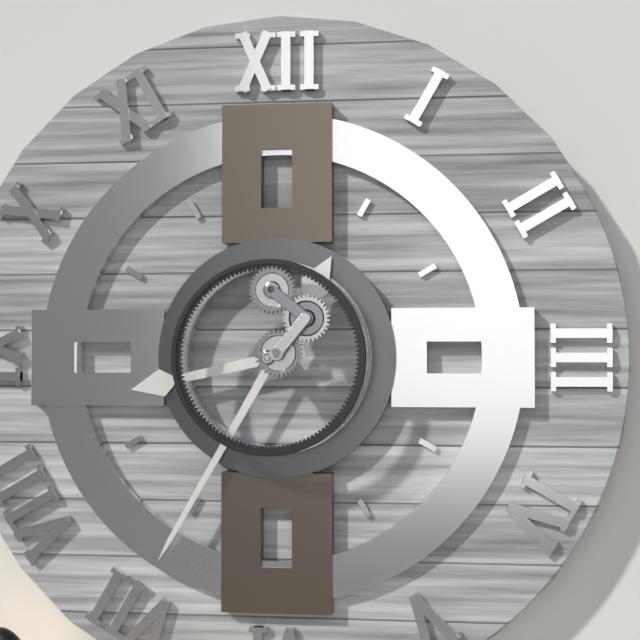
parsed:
8:35
